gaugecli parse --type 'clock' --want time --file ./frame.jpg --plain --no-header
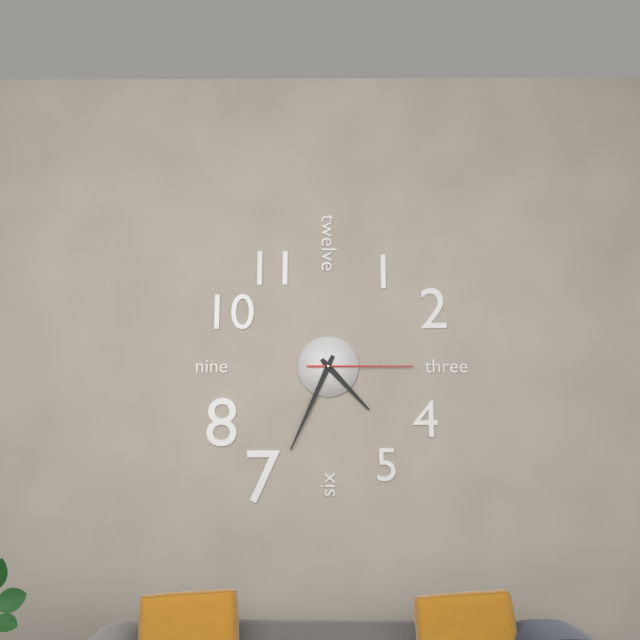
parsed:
4:34:15
